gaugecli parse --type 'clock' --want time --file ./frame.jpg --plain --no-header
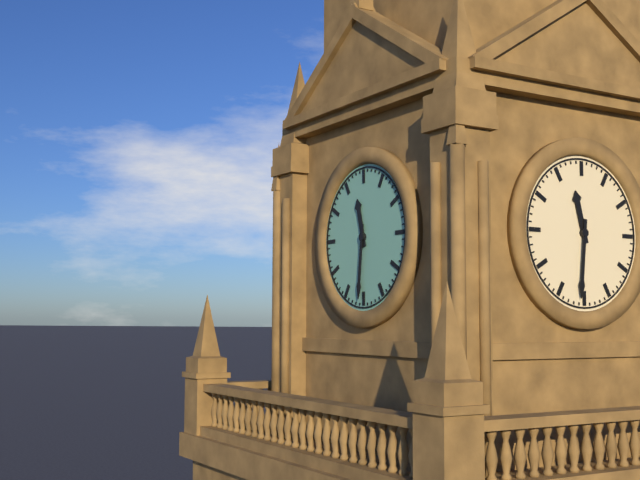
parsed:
11:31
